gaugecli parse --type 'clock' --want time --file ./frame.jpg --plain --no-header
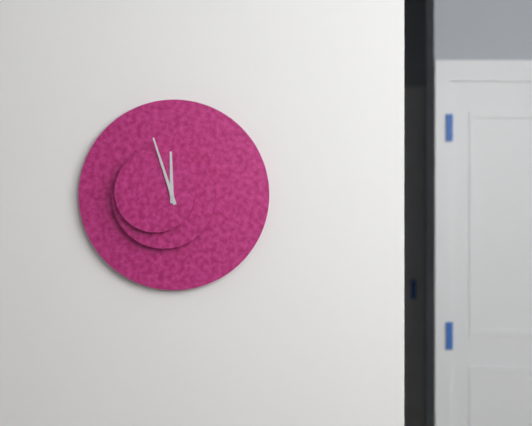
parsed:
11:57
